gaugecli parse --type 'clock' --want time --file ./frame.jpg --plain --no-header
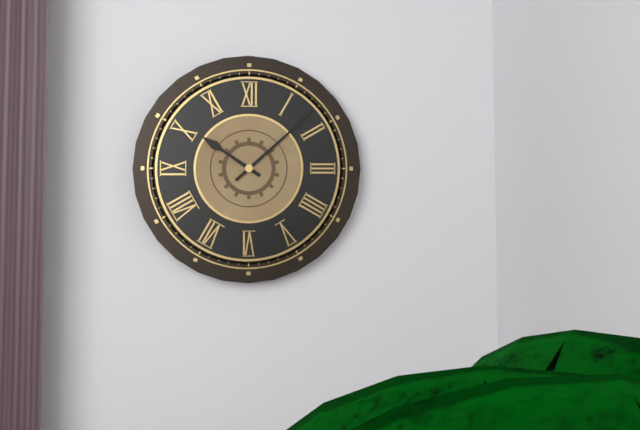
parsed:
10:08
